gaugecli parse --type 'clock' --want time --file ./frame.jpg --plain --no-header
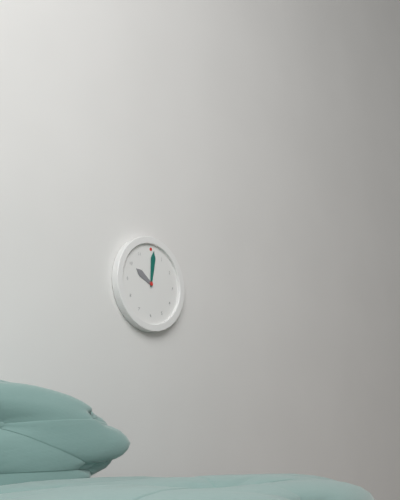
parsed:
10:01
